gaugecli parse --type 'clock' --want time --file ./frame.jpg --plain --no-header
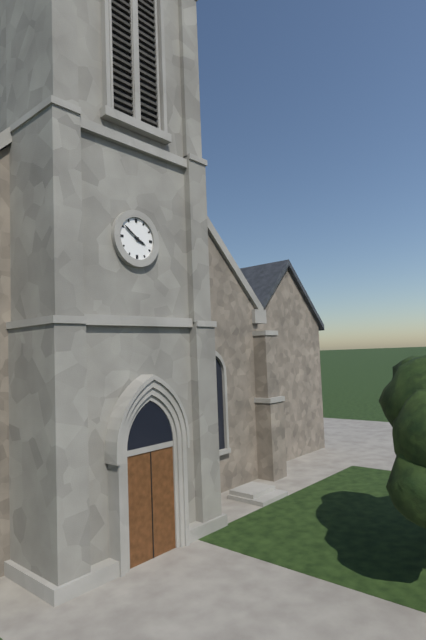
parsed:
3:51
